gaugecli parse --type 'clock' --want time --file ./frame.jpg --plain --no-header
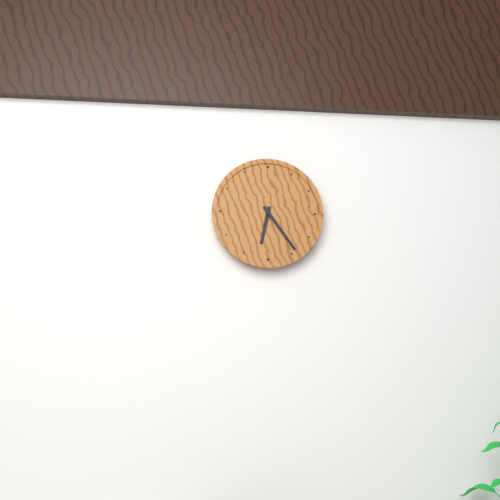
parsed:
6:24
